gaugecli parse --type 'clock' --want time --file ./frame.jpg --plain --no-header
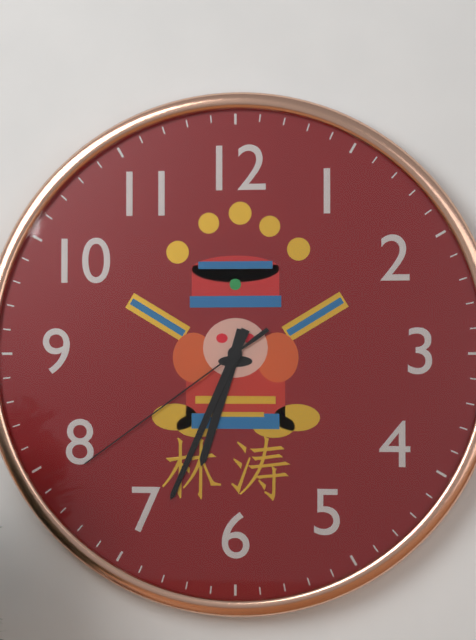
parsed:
6:34:39
